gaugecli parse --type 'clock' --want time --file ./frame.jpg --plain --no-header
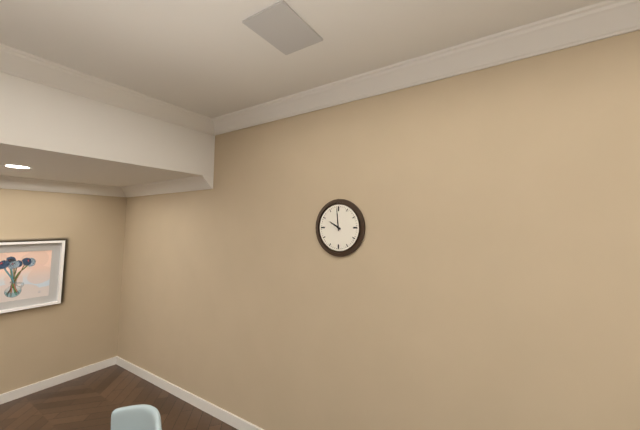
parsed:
9:59
